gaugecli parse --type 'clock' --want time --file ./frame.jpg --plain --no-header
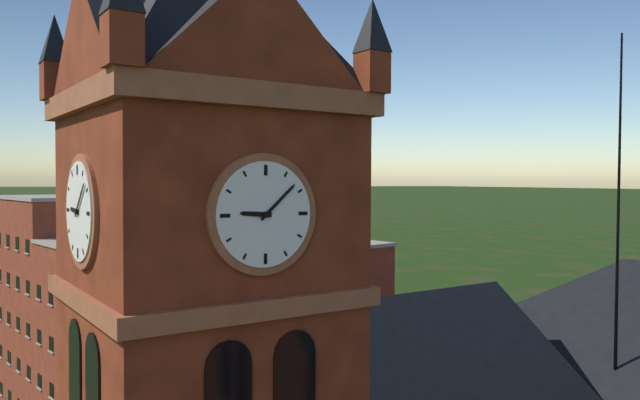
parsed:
9:08
